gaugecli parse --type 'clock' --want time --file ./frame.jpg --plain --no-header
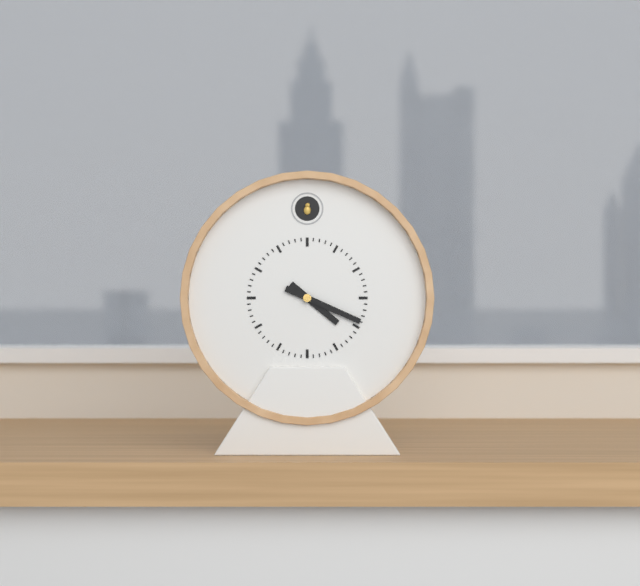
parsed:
4:19
